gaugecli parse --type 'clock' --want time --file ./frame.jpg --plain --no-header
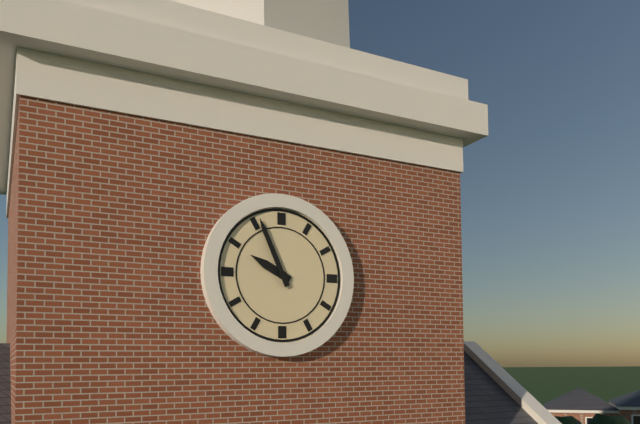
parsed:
9:56
